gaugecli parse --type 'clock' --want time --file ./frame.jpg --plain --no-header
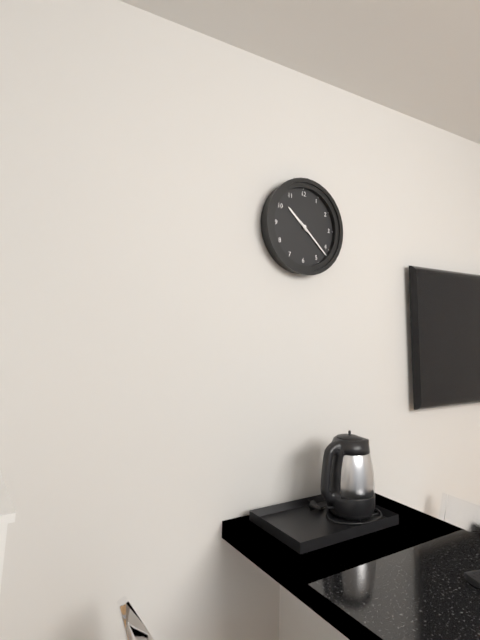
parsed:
10:22
